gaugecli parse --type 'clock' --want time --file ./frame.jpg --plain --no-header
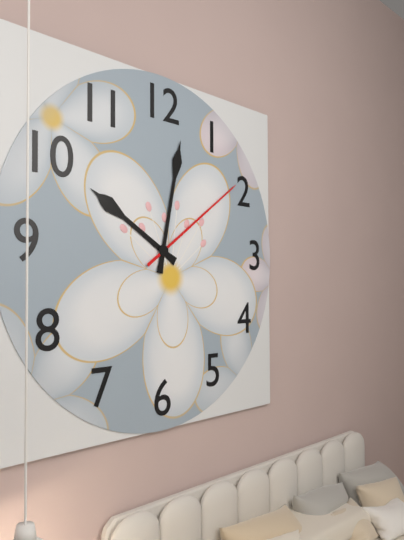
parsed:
10:02:09
